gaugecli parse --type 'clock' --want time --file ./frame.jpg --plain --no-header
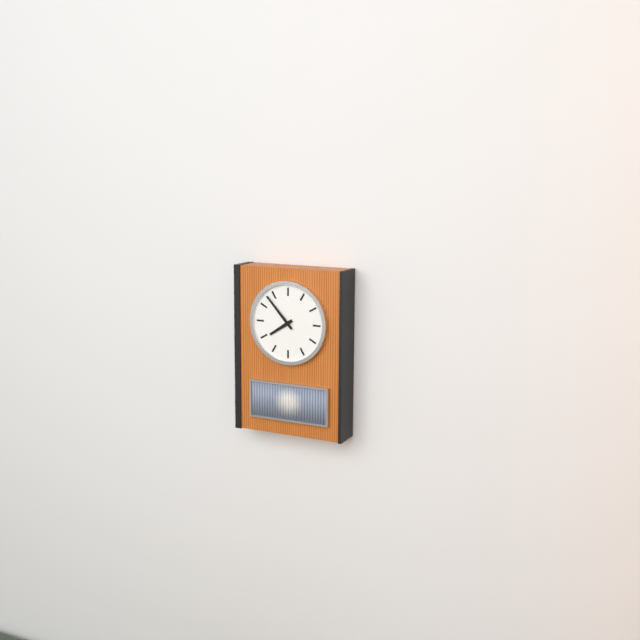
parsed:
7:53
